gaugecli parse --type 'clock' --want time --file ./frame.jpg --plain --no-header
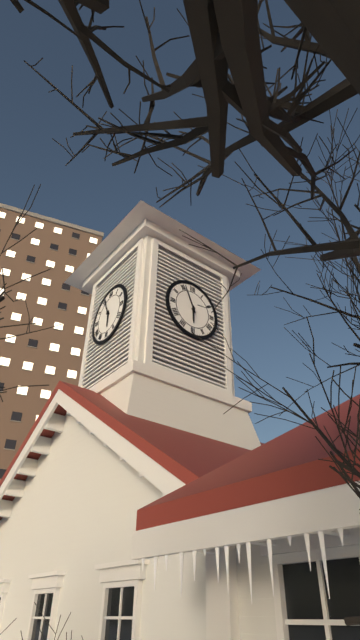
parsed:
5:56
